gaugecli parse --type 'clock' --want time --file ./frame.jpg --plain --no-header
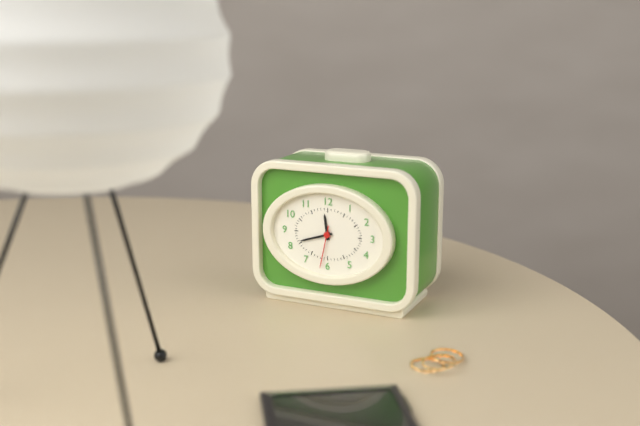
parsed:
11:42
